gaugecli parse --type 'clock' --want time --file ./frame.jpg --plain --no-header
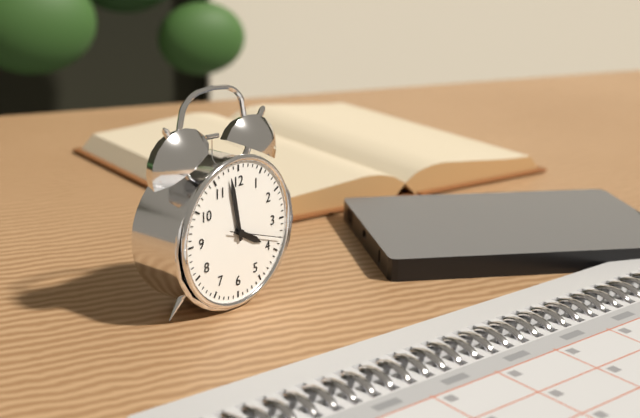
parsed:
3:58:18
